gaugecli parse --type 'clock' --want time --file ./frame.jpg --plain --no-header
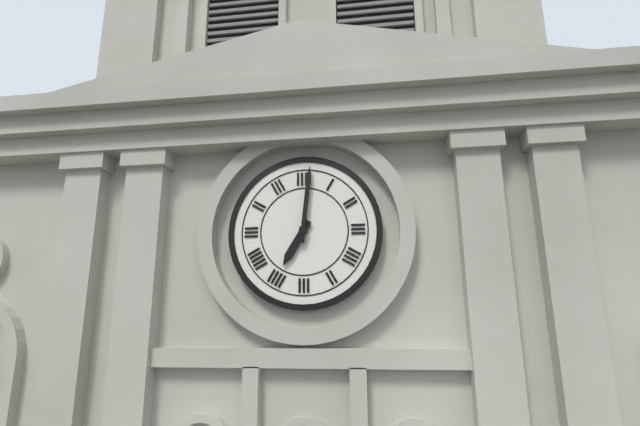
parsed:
7:01
